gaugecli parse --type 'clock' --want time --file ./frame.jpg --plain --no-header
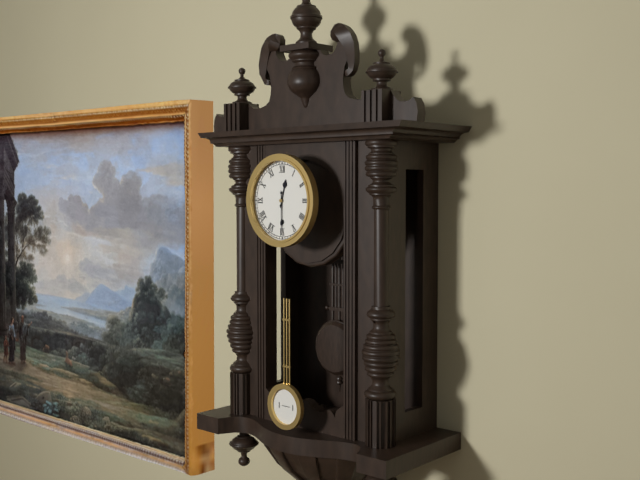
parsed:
12:30
